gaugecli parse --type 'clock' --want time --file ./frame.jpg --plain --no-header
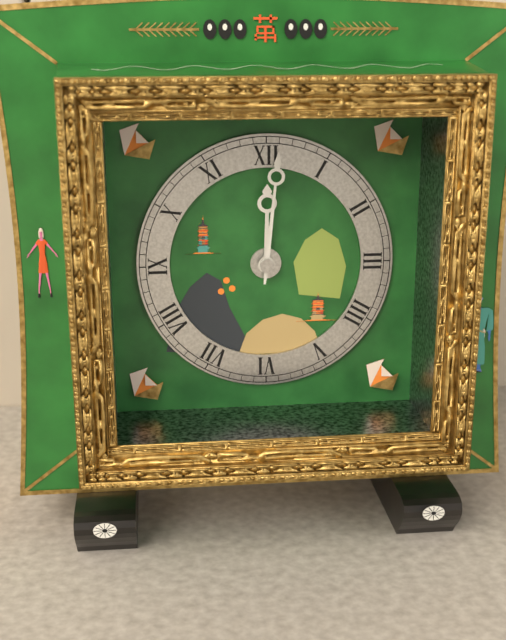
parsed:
12:01
